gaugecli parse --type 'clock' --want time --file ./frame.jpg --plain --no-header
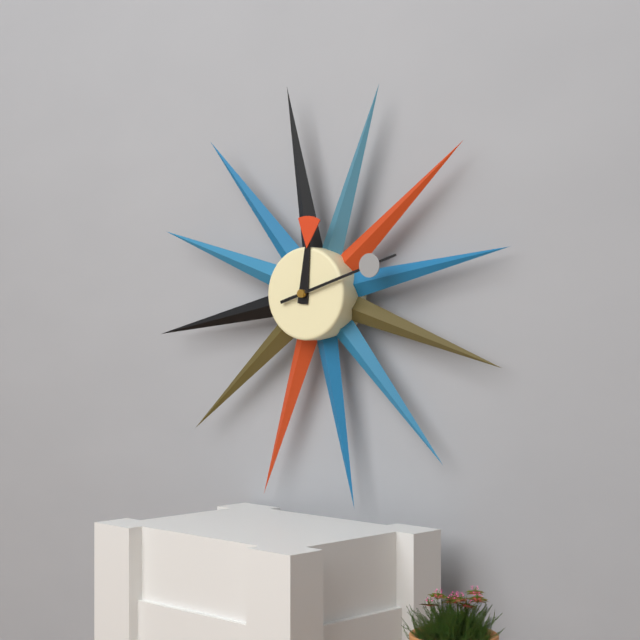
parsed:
12:12
